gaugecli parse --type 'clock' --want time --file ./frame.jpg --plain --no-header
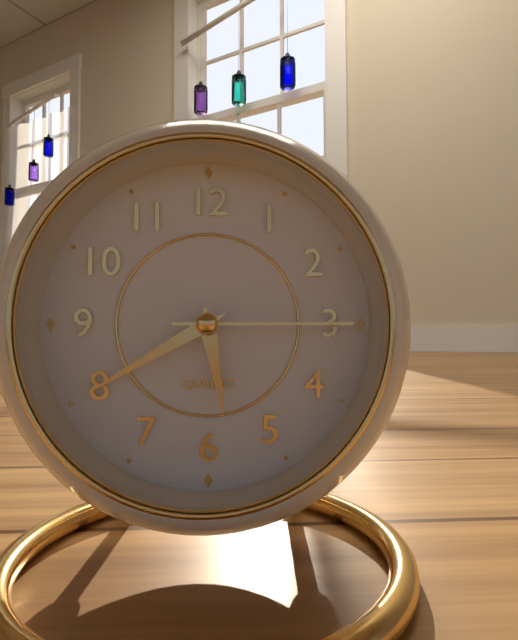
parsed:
5:40:15
